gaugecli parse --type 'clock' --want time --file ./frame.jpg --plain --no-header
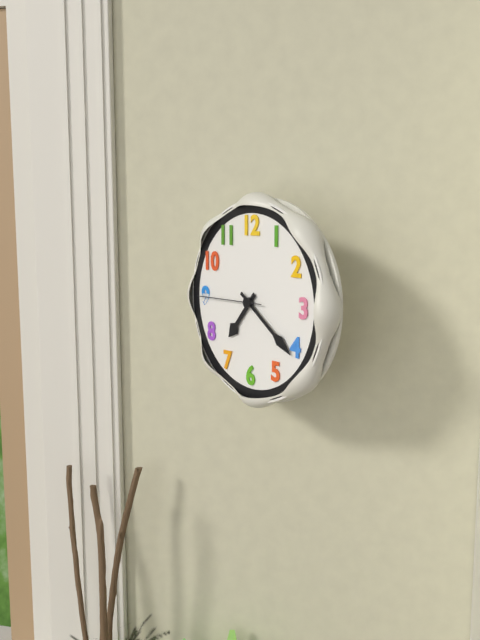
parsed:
7:21:45
